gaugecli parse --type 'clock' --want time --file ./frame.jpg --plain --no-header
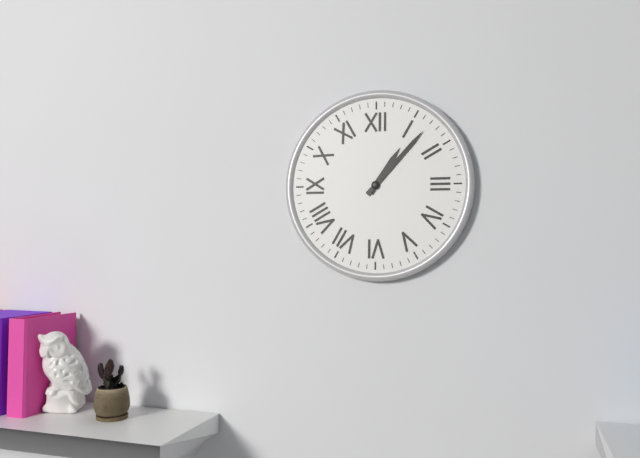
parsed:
1:07
